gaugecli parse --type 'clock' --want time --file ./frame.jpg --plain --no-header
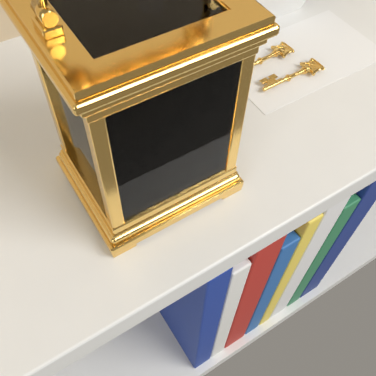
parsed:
9:44
